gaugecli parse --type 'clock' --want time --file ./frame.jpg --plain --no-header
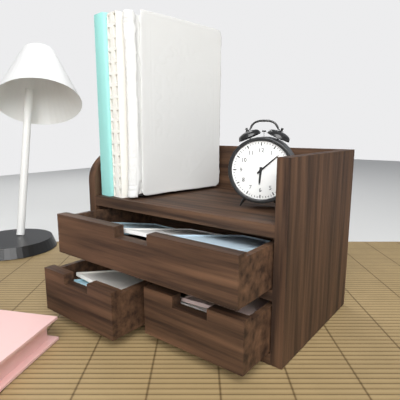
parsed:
6:08
